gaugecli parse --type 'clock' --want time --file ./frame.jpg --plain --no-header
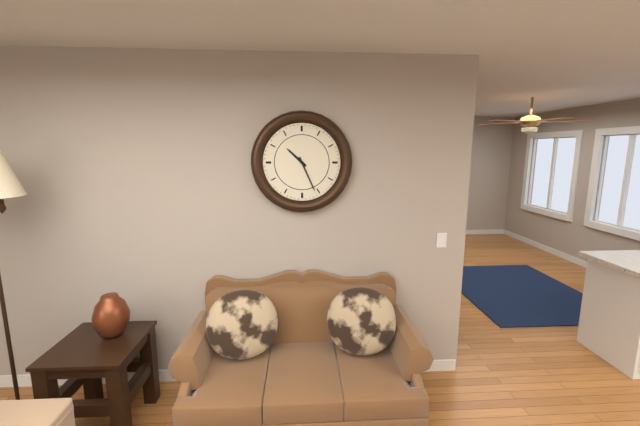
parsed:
10:26
